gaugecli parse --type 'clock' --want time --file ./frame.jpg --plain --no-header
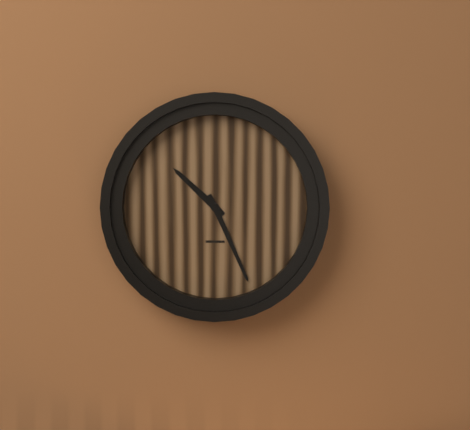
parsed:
10:26
